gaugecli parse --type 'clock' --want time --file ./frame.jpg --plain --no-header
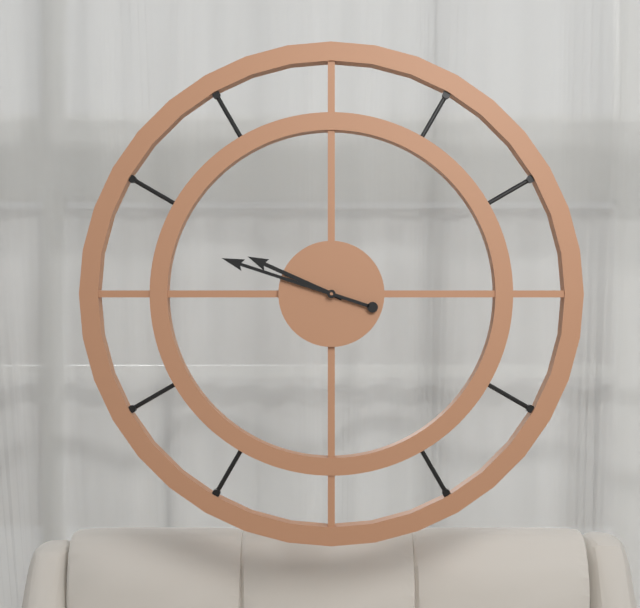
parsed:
9:48
